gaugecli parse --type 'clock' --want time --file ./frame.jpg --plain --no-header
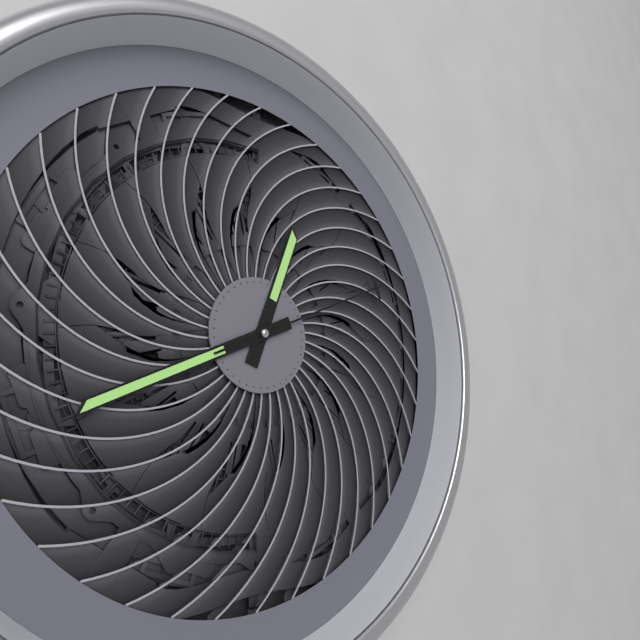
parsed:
12:41:11
